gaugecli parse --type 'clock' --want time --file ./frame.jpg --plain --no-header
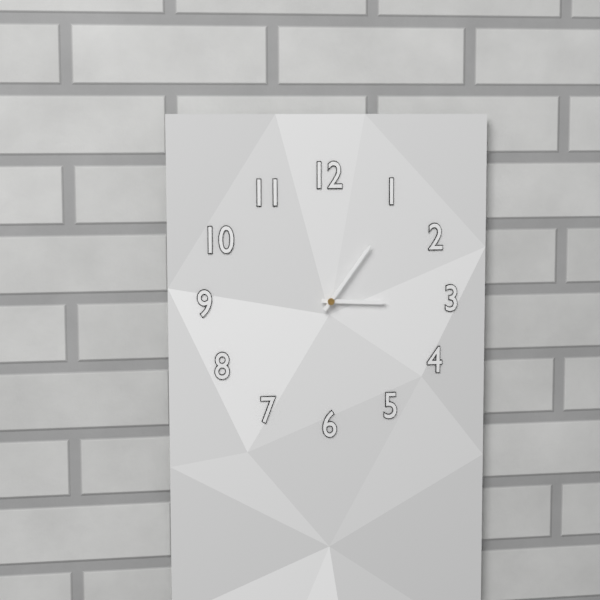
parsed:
3:06
